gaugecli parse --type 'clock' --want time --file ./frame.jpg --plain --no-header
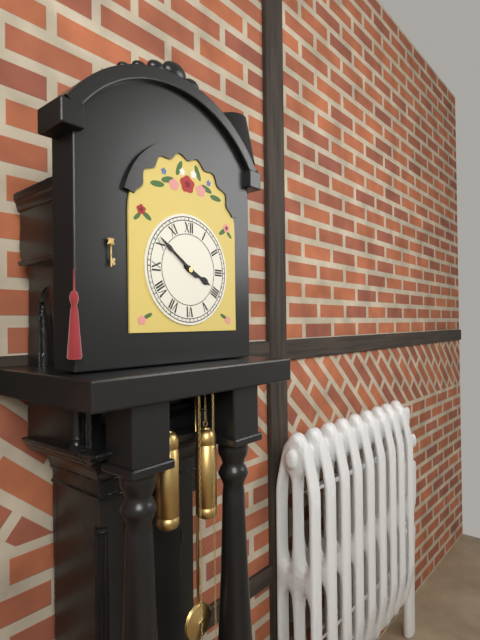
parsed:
3:51
